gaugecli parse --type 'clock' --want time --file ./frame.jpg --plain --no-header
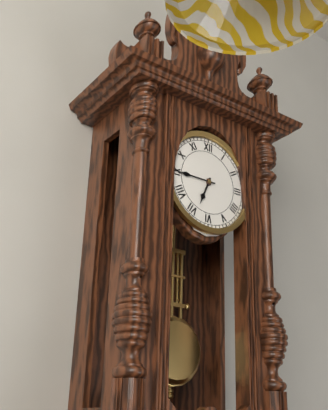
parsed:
6:45
